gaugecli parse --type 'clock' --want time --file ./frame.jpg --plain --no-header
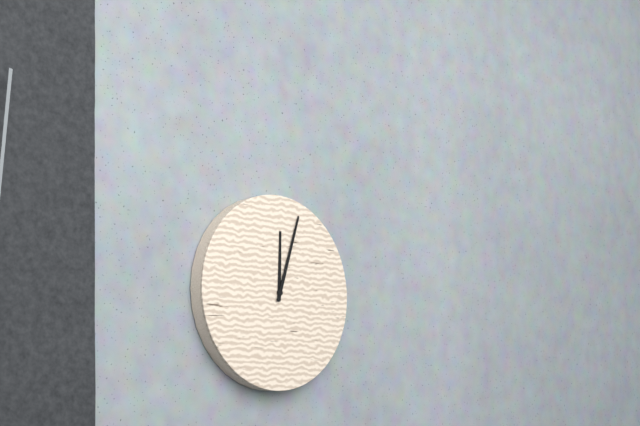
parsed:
12:03
